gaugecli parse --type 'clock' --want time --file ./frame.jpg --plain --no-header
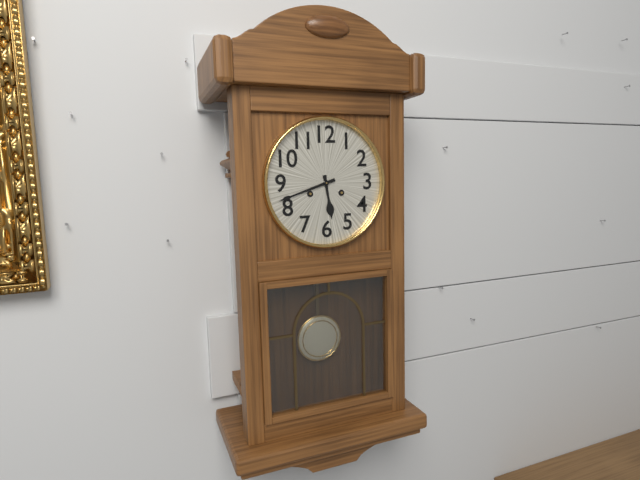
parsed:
5:42
